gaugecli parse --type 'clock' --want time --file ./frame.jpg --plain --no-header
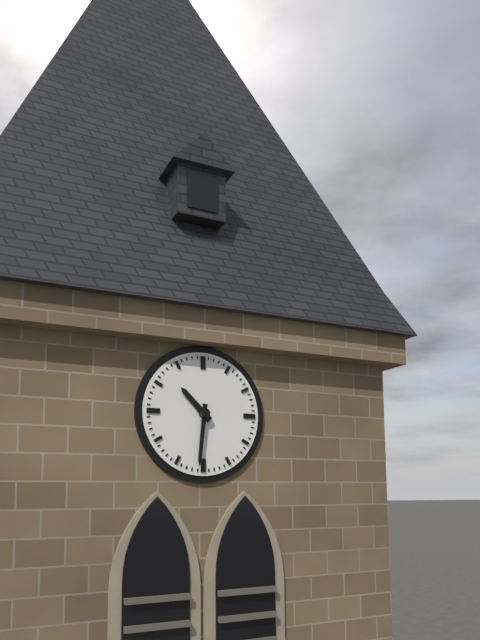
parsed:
10:31
